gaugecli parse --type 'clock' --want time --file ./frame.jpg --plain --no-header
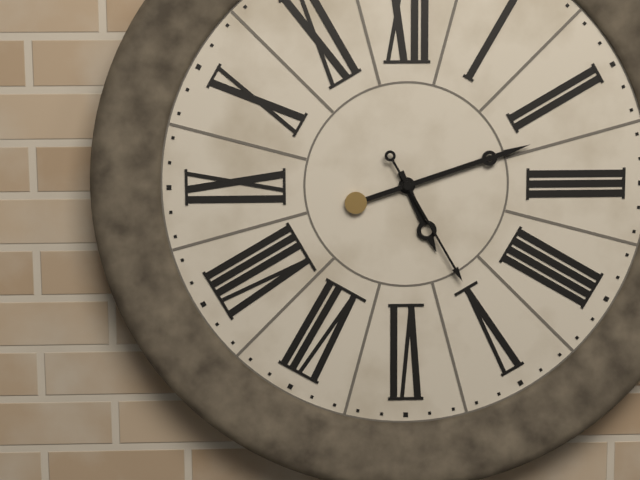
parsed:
5:12:25
